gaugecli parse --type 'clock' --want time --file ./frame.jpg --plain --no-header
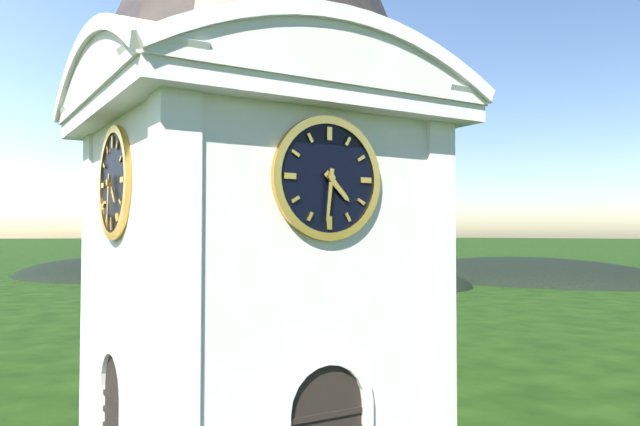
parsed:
4:31
